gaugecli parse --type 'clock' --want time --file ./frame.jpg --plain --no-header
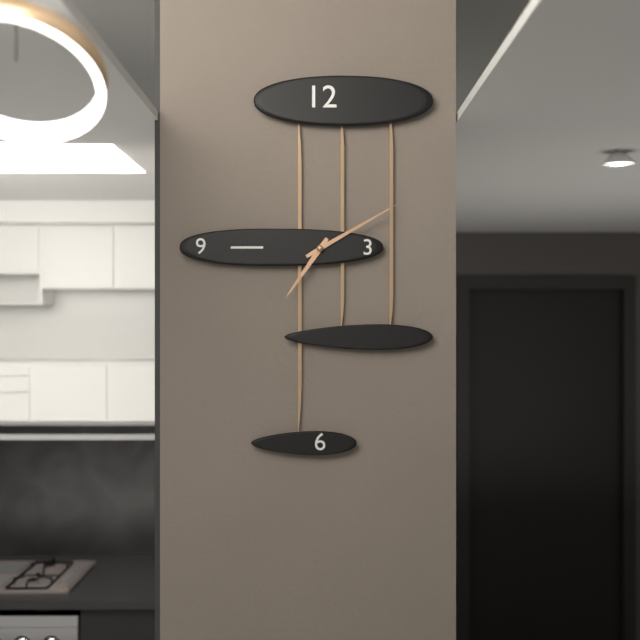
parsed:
7:10
